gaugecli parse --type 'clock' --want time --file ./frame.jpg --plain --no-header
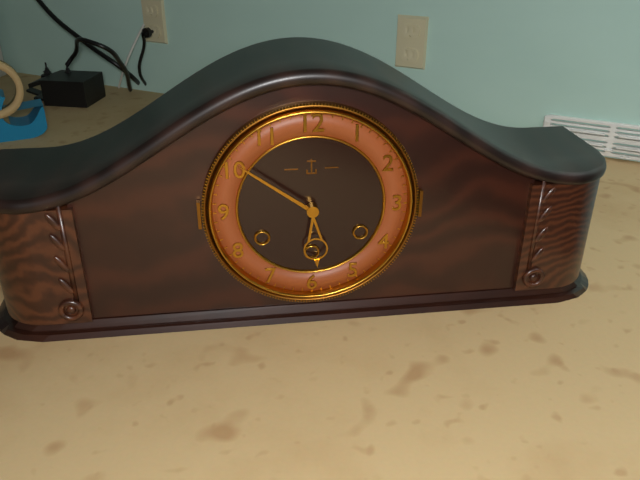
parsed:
5:51
